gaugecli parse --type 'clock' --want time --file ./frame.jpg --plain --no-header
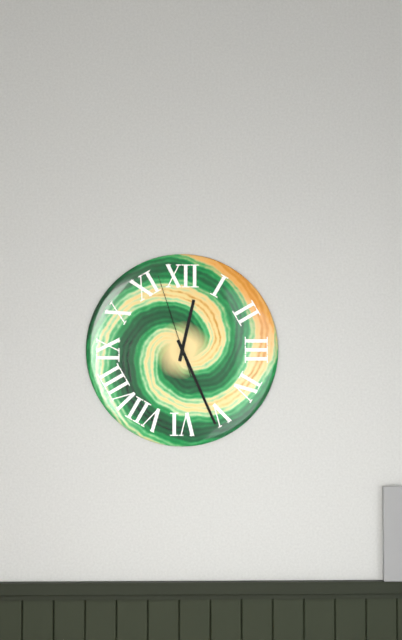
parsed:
12:26:57
